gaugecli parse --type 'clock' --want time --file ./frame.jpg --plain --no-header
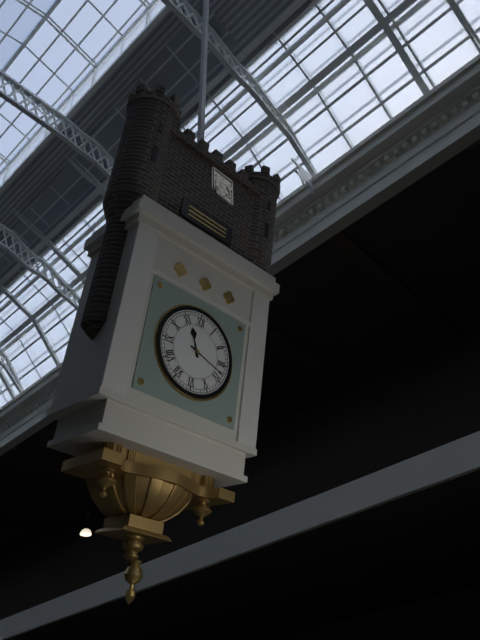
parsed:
11:18
